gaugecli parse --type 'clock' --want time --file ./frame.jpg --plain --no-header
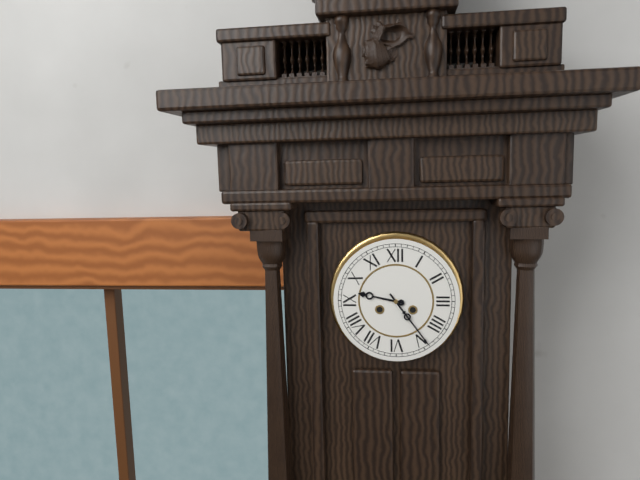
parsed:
9:24
